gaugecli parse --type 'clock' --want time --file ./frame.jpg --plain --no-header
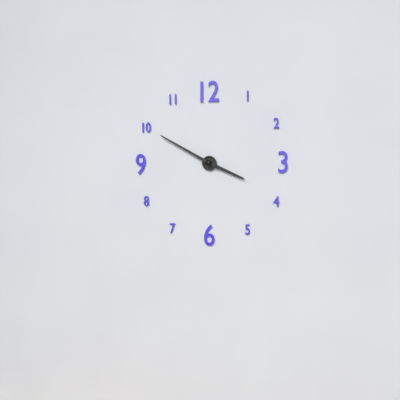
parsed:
3:50
